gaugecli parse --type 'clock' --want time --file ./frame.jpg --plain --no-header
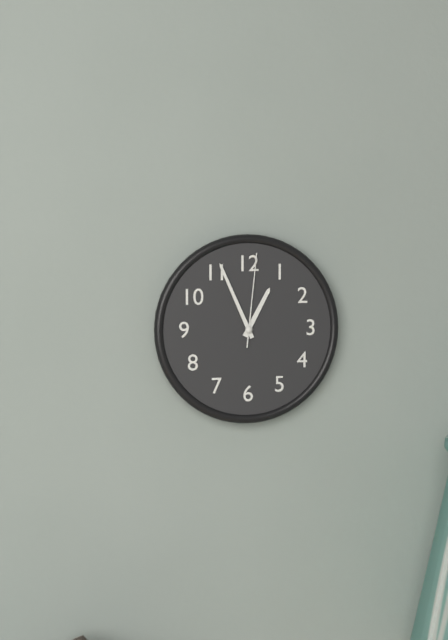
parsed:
12:56:01
